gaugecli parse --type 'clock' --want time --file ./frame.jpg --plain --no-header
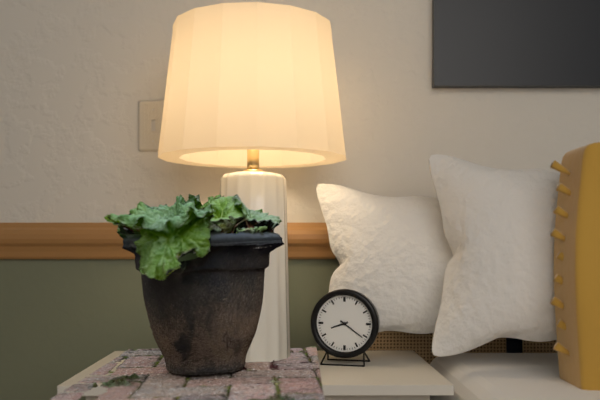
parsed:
8:21
